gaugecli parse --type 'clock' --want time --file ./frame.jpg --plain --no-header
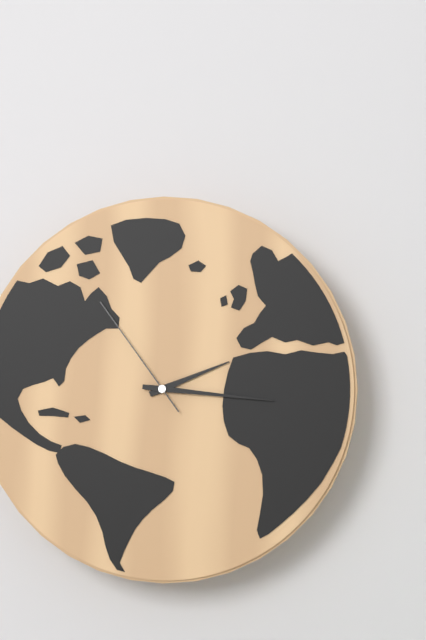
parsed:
2:16:54
